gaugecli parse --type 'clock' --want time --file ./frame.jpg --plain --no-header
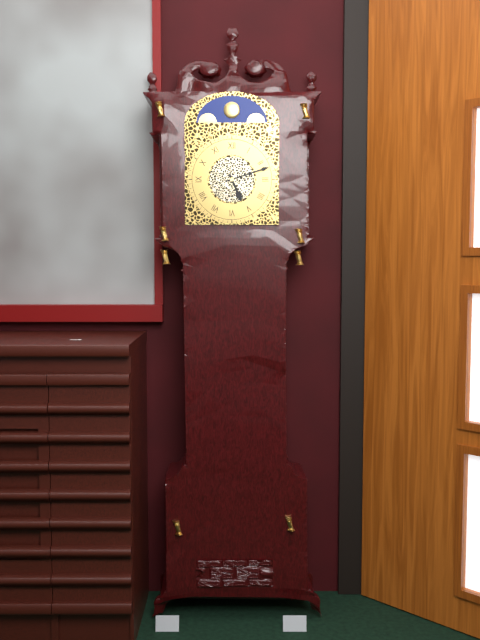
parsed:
5:12
